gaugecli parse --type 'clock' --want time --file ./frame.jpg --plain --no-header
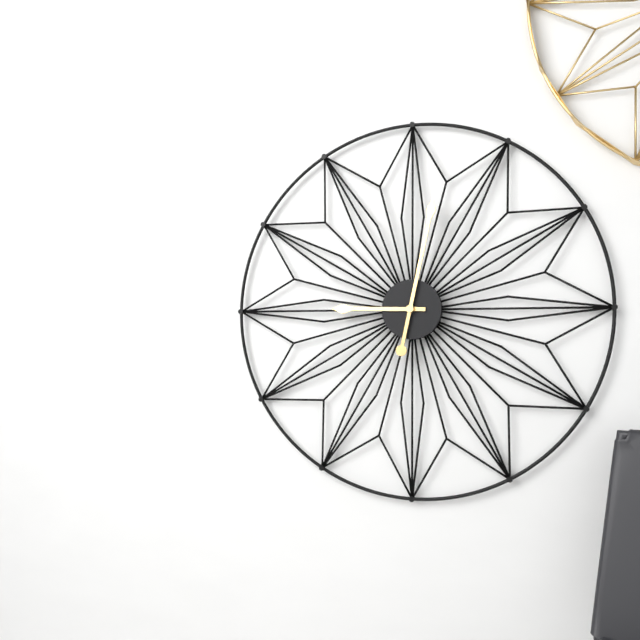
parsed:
9:02
